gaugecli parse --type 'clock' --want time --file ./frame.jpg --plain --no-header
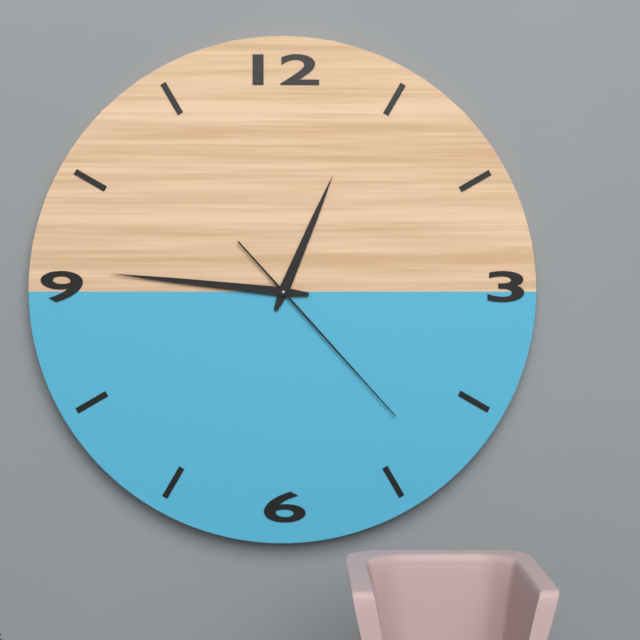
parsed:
12:46:23
